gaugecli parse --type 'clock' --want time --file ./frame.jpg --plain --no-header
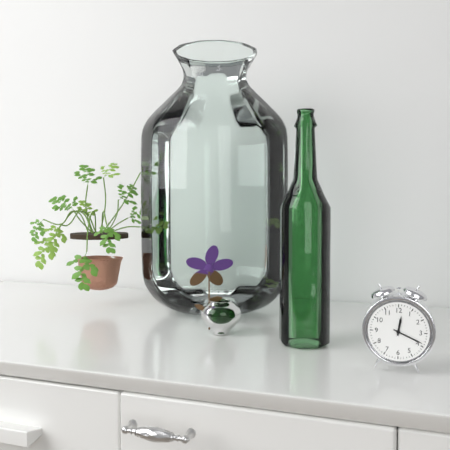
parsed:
12:19
